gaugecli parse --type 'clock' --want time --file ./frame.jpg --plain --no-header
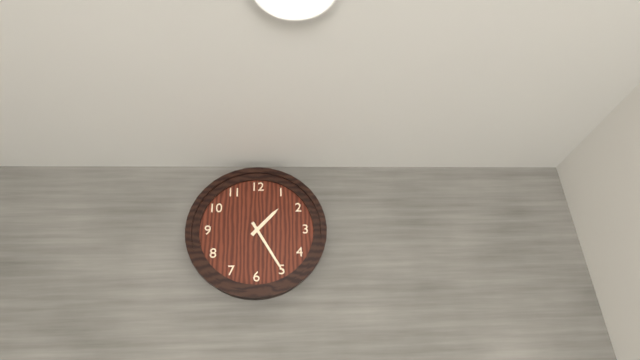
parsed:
1:25
